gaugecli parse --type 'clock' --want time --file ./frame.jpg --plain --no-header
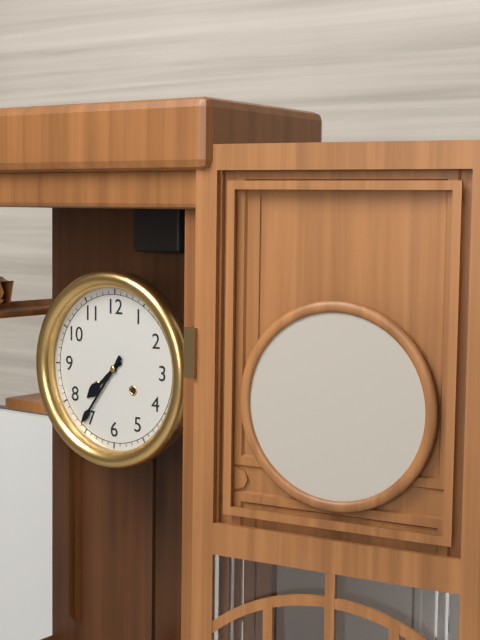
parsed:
7:36
